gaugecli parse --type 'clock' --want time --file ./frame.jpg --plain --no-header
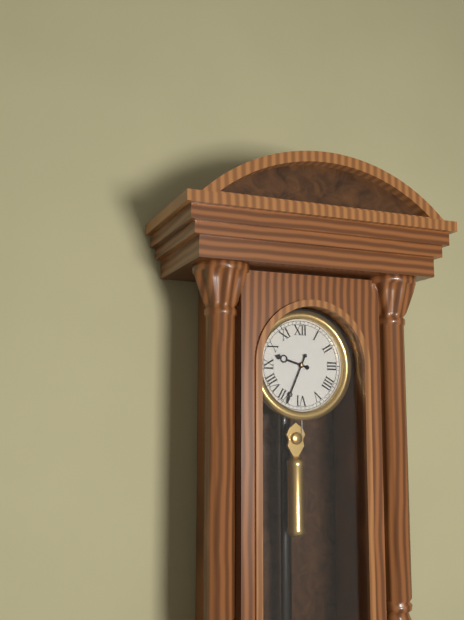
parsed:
9:34
